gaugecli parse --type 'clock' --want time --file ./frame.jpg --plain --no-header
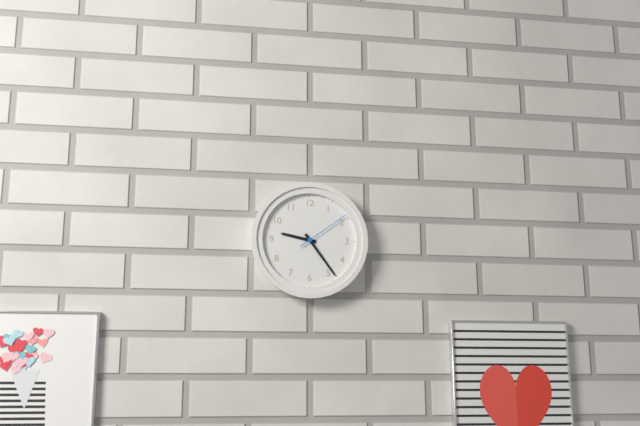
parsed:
9:24:09
